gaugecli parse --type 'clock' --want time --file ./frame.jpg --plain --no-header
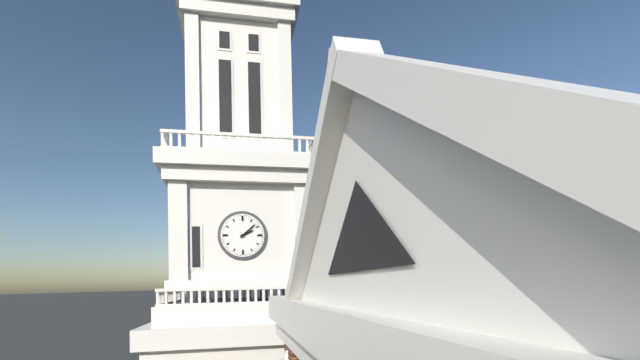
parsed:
2:08
